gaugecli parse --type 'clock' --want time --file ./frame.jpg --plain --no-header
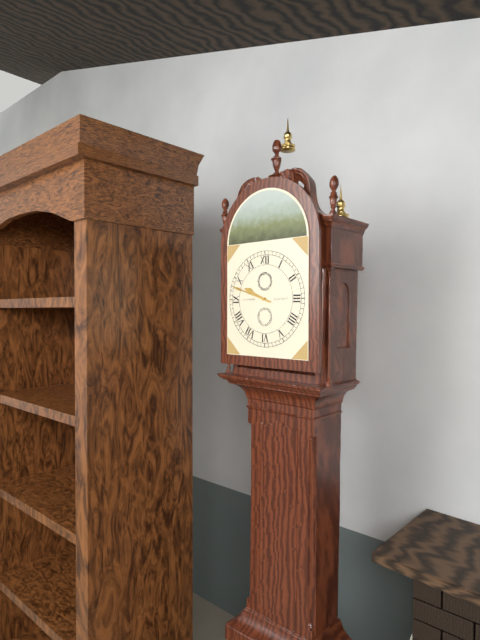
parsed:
9:48
